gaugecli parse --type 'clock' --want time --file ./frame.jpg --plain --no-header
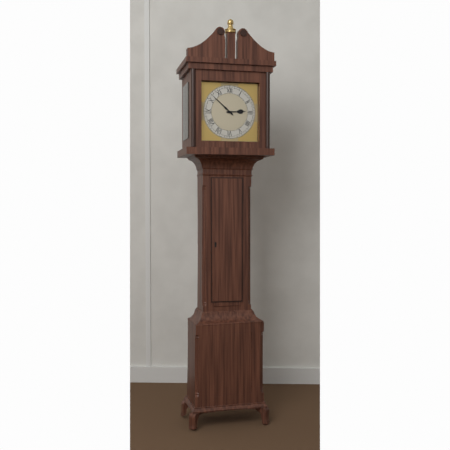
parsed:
2:52
